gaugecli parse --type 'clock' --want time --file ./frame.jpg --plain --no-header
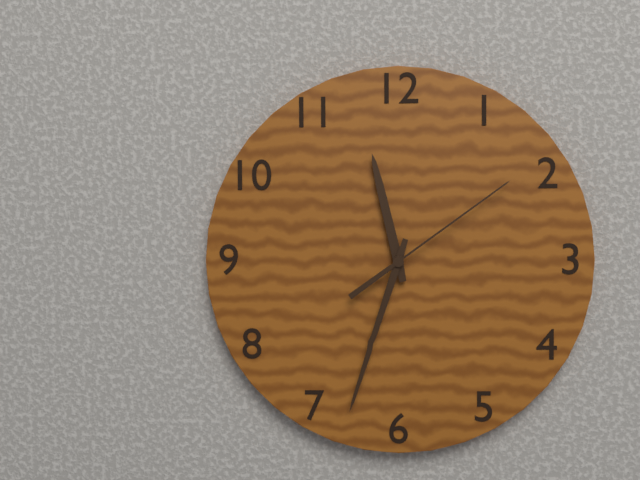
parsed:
11:33:09
